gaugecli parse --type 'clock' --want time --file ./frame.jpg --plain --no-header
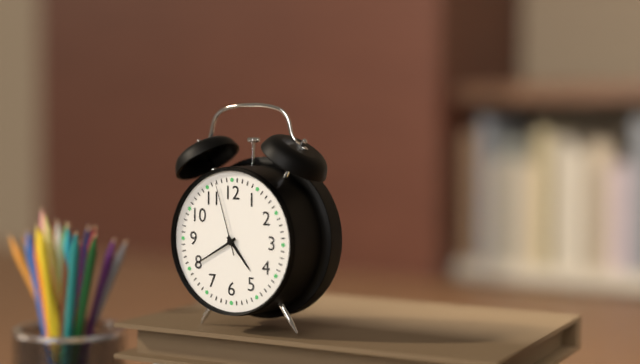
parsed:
4:40:57
